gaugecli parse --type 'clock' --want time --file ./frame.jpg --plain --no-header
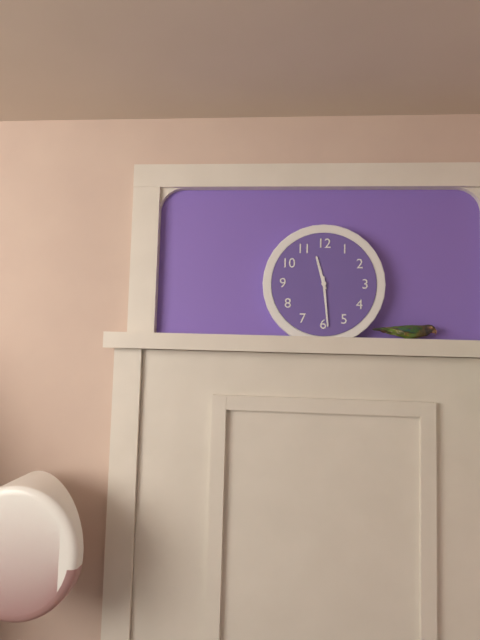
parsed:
11:29
